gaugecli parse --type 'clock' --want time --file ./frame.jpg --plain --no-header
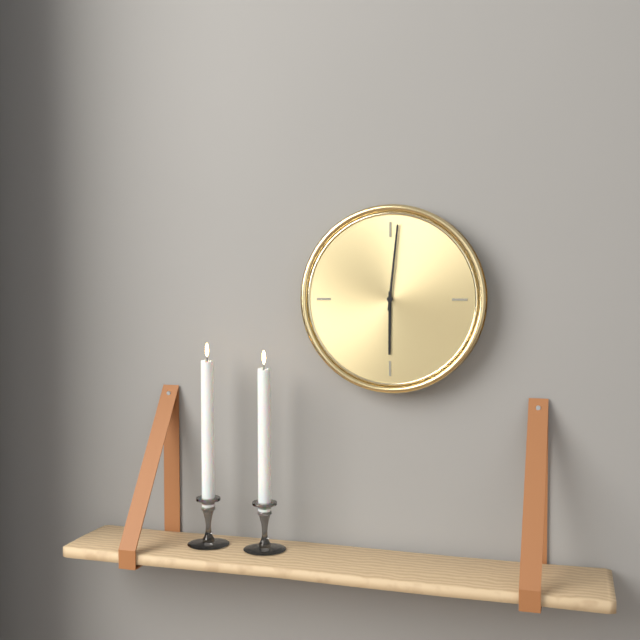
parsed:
6:01
